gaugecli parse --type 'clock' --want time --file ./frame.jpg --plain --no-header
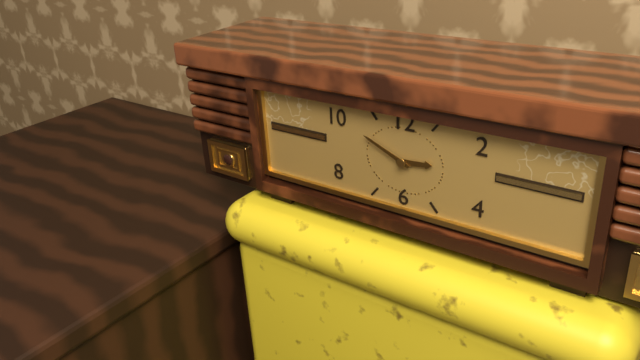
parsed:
2:49
